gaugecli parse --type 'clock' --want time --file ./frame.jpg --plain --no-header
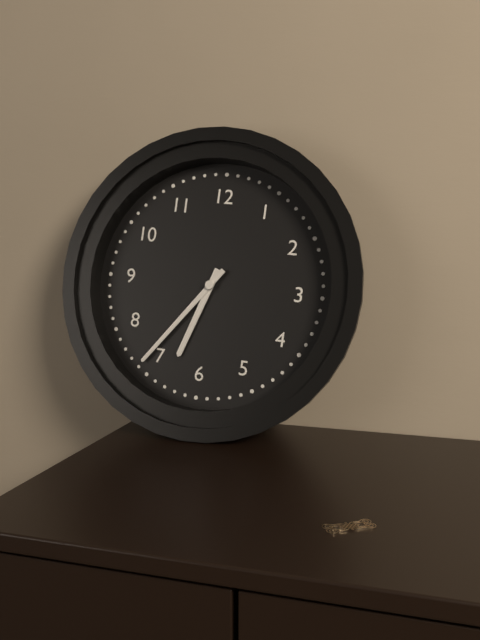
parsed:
6:36
